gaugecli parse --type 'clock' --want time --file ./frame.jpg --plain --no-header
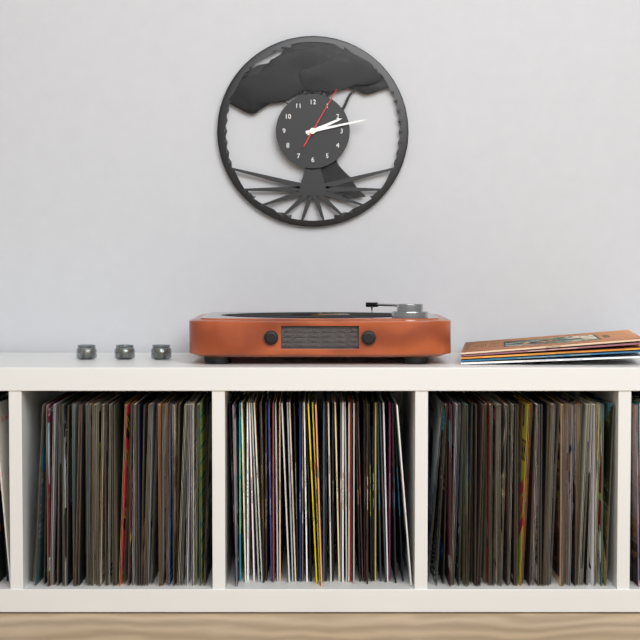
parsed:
2:13:05
